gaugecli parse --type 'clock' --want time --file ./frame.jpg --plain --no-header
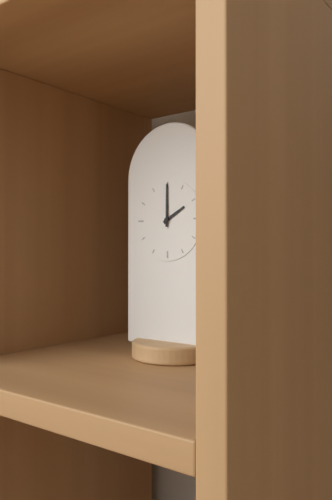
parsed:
2:00
